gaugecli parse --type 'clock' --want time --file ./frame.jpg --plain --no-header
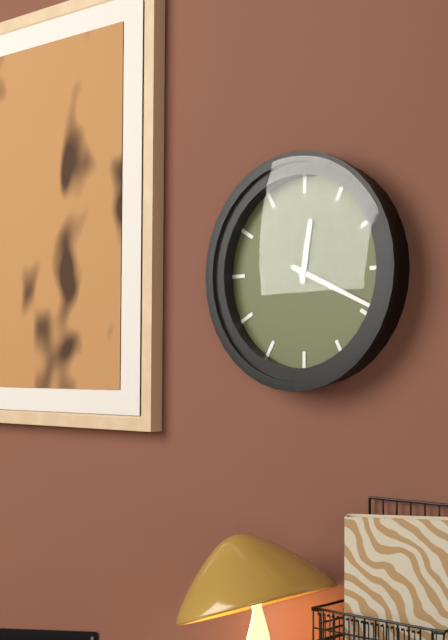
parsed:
12:19
